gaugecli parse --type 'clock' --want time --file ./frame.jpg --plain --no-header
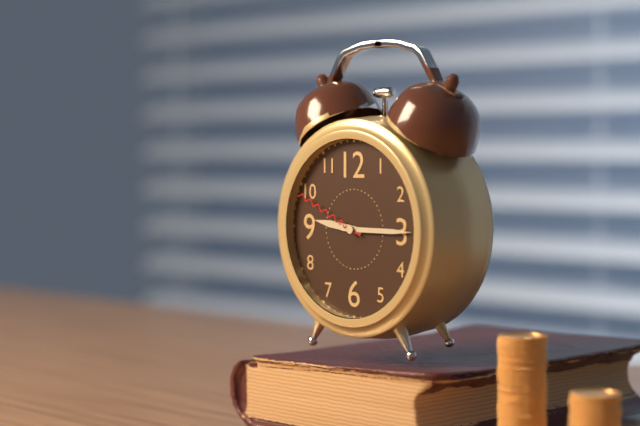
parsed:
9:15:49
